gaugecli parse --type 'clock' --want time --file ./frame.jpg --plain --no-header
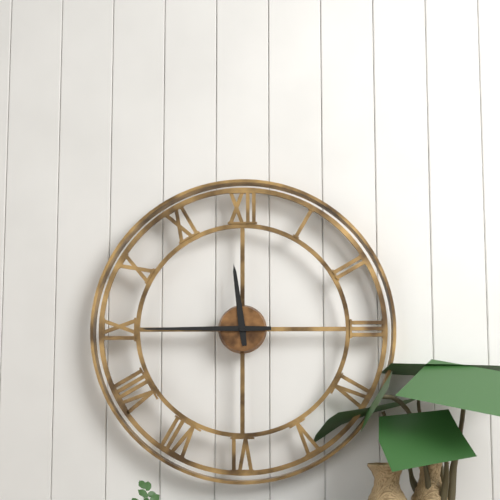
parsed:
11:45
